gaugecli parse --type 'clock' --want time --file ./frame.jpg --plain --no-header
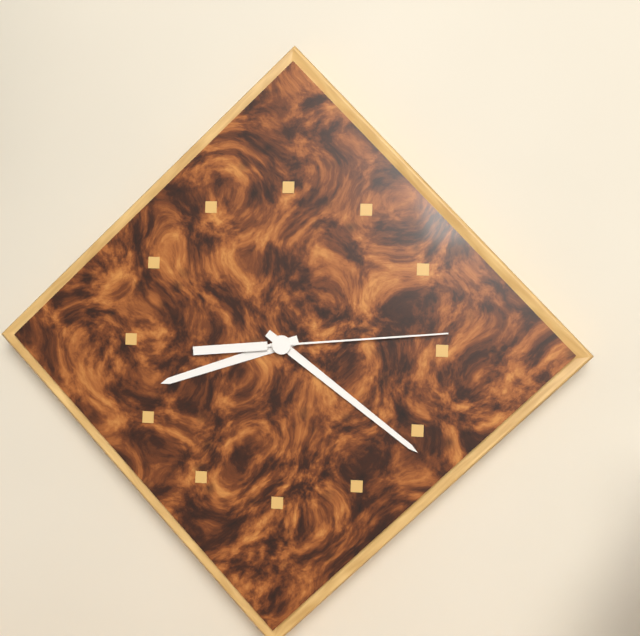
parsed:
8:21:14
